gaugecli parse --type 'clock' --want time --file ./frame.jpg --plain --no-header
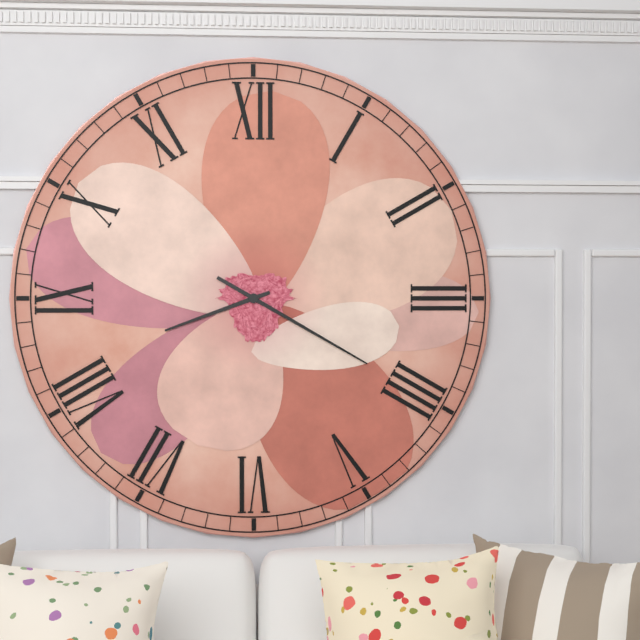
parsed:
8:20
